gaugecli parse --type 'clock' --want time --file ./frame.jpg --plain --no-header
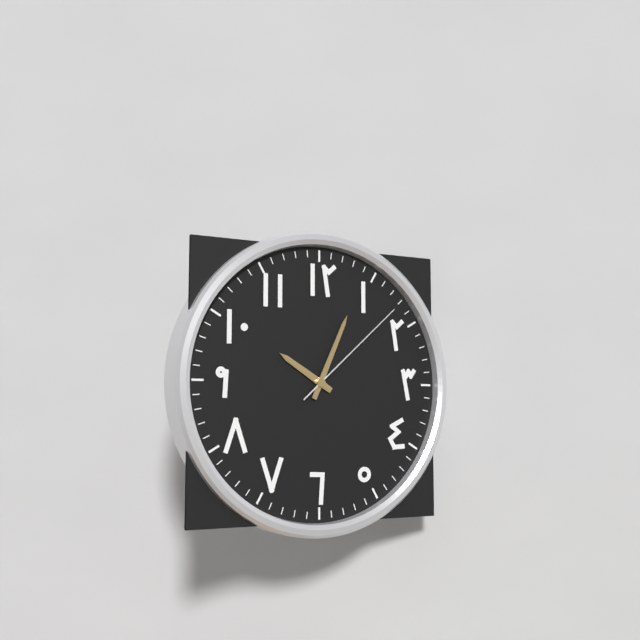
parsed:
10:04:08
